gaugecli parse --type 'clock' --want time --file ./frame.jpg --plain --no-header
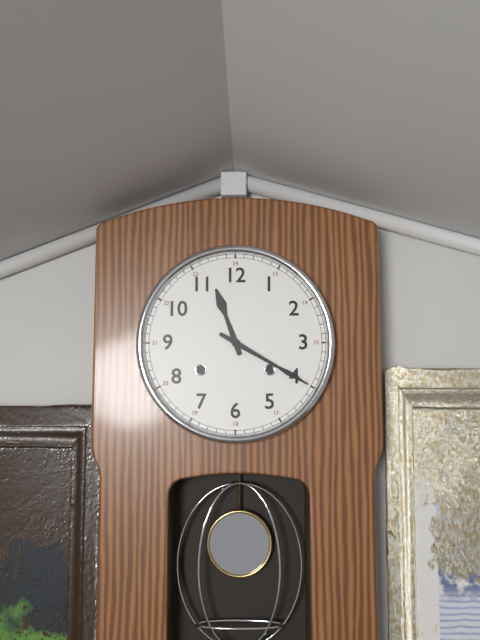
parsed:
11:20
